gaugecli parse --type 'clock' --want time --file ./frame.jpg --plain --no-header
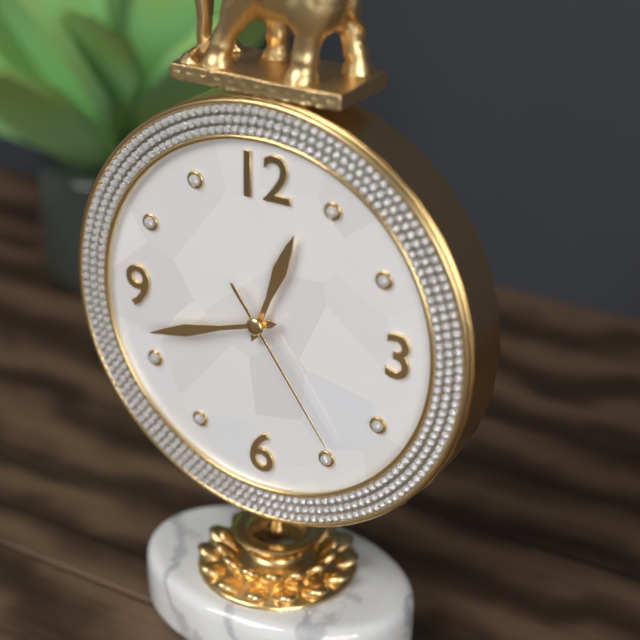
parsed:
12:42:24
